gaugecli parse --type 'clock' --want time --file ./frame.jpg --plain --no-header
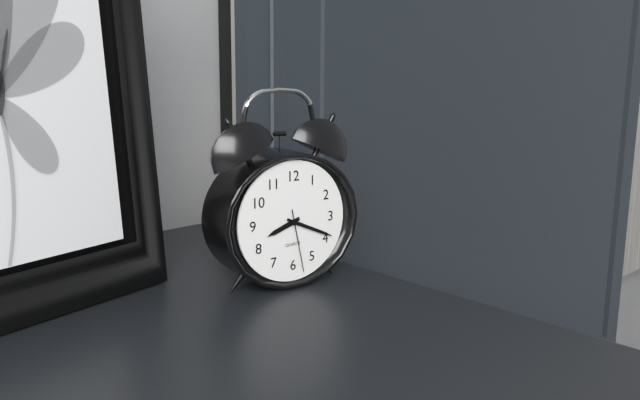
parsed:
8:19:28
